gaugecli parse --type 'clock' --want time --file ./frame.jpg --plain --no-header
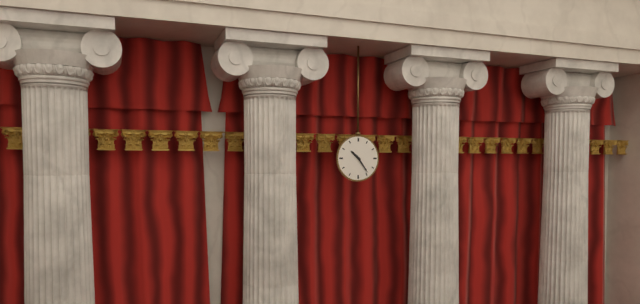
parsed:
10:24
